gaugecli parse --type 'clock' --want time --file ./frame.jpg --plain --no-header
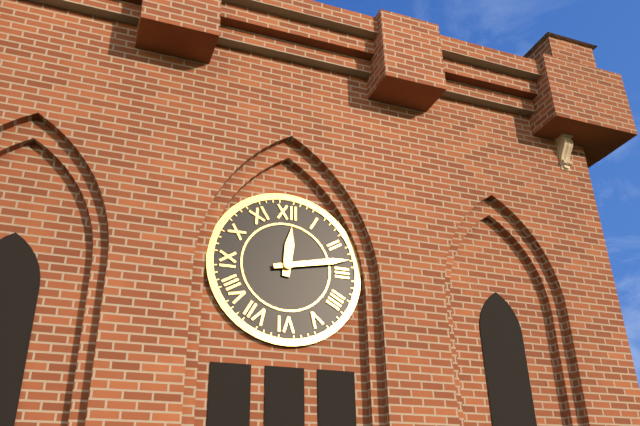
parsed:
12:13
